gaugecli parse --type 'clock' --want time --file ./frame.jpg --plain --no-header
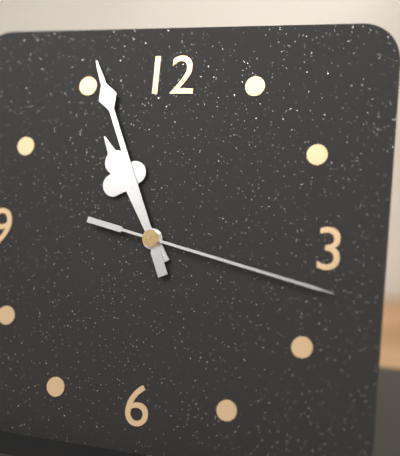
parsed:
10:56:17
